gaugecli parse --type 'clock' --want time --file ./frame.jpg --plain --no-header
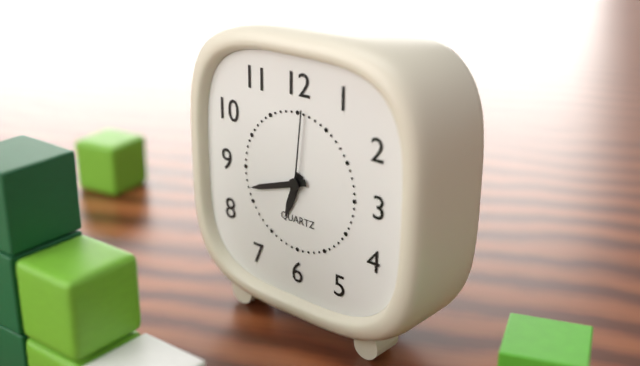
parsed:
6:42:01
